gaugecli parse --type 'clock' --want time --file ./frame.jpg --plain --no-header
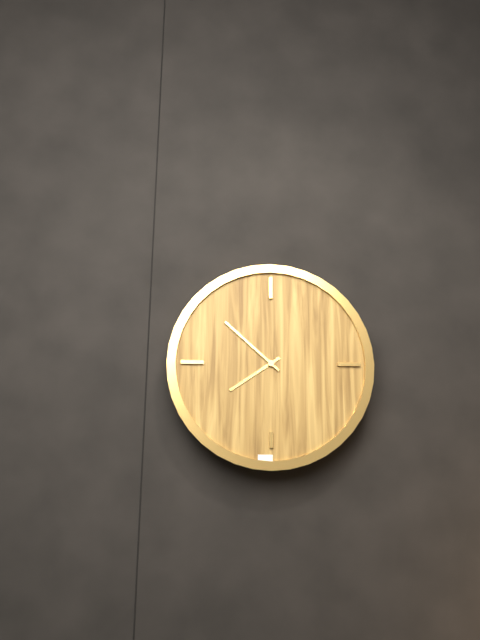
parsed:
7:52
